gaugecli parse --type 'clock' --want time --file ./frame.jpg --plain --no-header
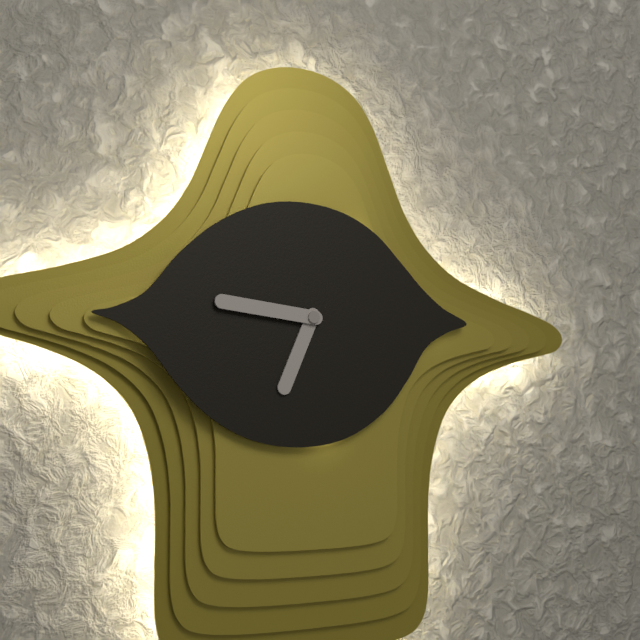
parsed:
6:46
